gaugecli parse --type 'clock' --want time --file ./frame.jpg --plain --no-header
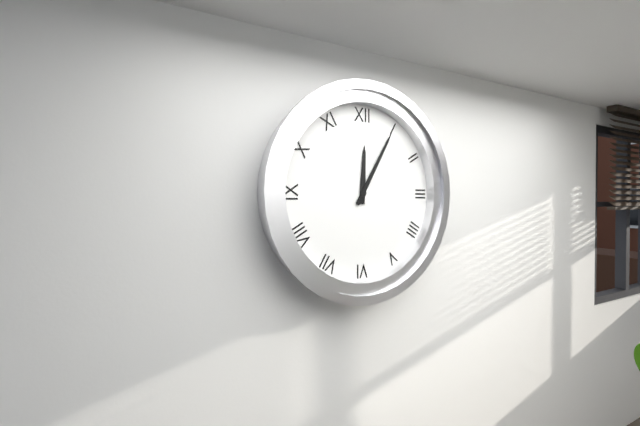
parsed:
12:05
